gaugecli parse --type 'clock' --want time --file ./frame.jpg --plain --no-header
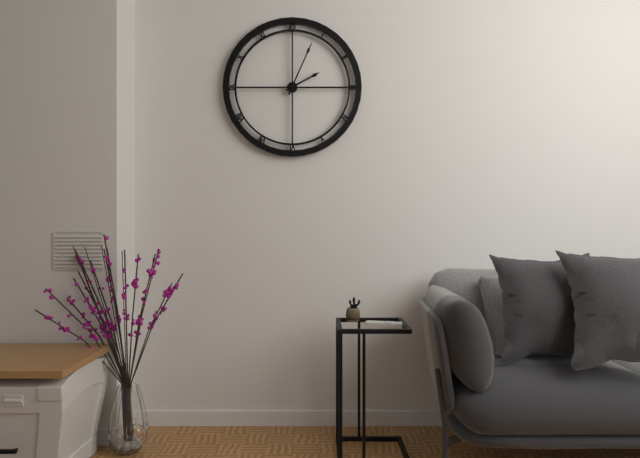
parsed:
2:04
